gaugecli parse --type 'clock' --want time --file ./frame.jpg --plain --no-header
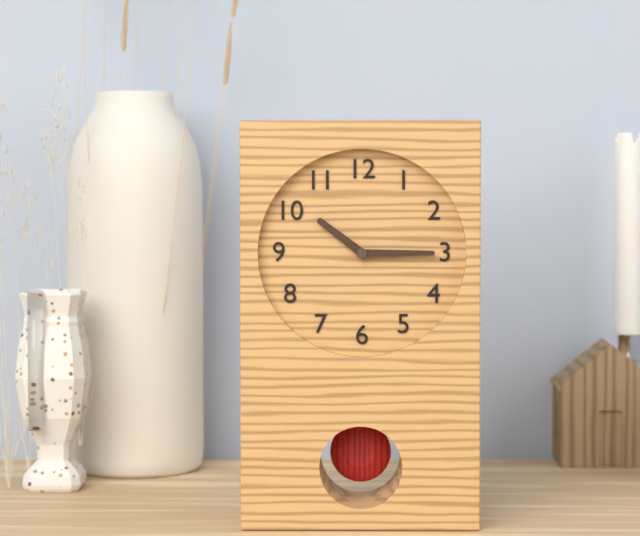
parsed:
10:15
